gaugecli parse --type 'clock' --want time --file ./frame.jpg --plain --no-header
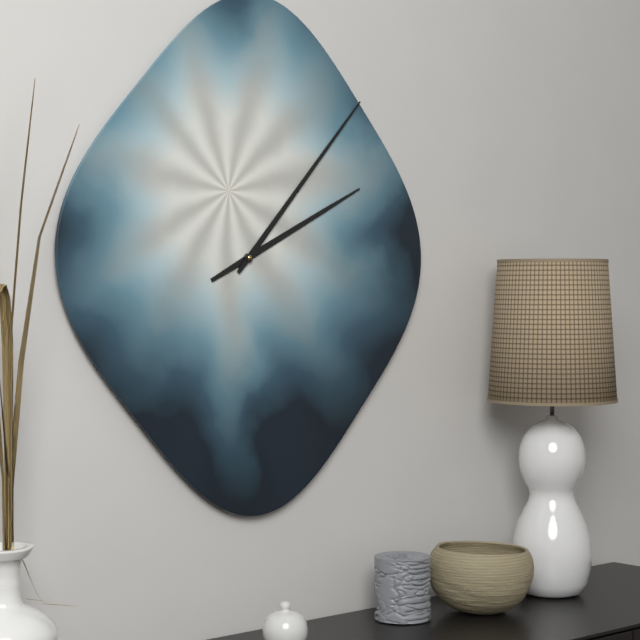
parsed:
2:07
